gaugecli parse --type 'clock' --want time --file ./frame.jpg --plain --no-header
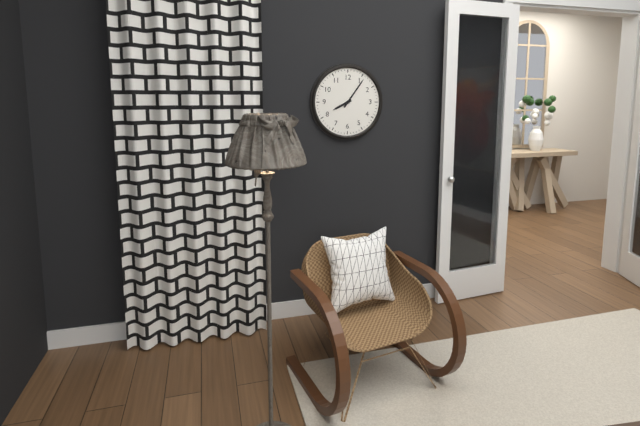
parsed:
8:06
